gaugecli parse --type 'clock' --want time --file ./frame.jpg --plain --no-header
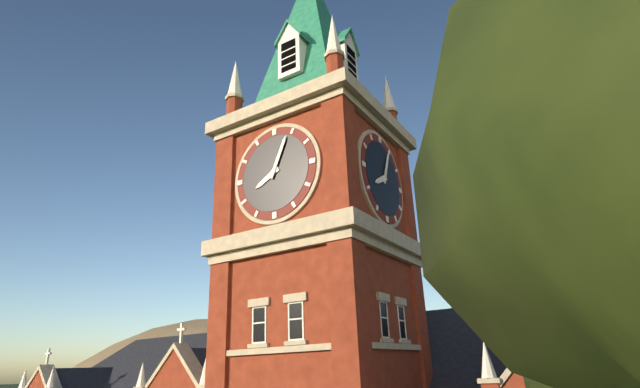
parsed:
8:04
